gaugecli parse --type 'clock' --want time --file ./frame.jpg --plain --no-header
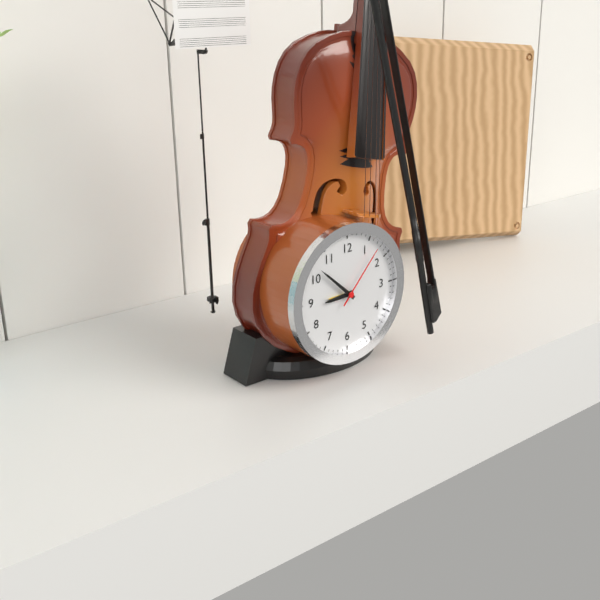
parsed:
8:52:07
